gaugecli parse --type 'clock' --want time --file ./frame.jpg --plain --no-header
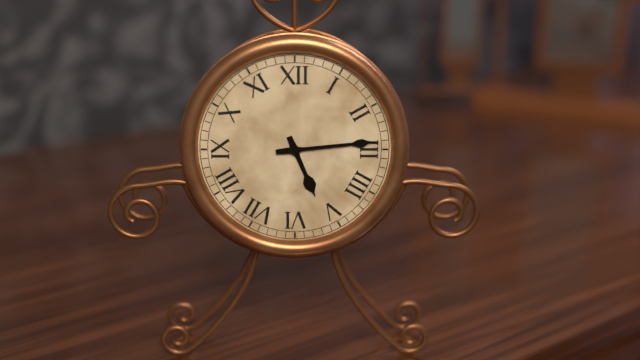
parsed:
5:14
